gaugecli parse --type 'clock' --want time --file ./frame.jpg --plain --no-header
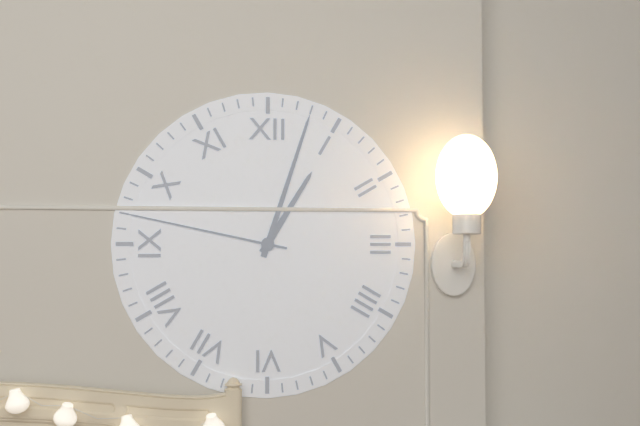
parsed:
1:03:47
